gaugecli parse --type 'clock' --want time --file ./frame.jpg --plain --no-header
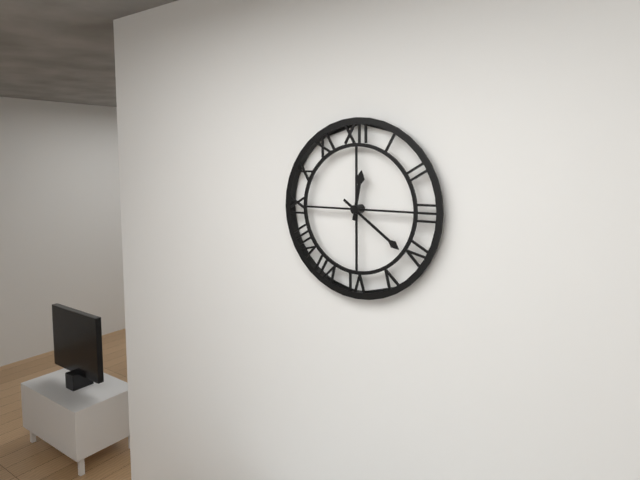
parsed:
12:21
